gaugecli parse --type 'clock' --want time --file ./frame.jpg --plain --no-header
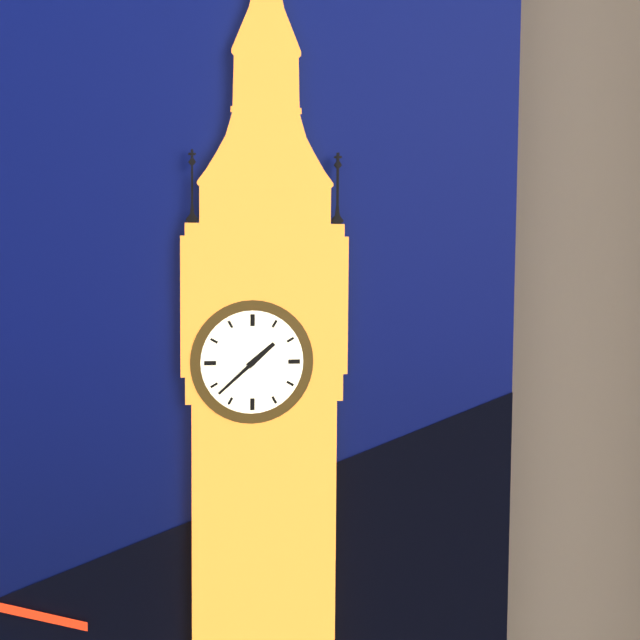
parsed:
1:38
